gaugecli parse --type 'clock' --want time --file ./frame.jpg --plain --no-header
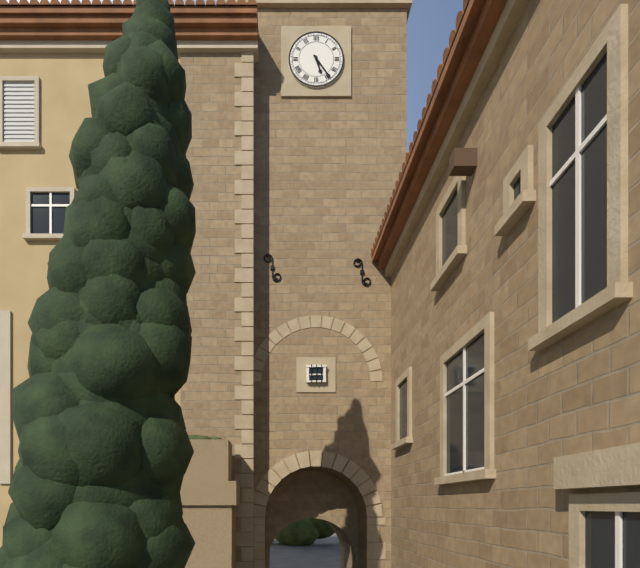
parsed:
5:24
